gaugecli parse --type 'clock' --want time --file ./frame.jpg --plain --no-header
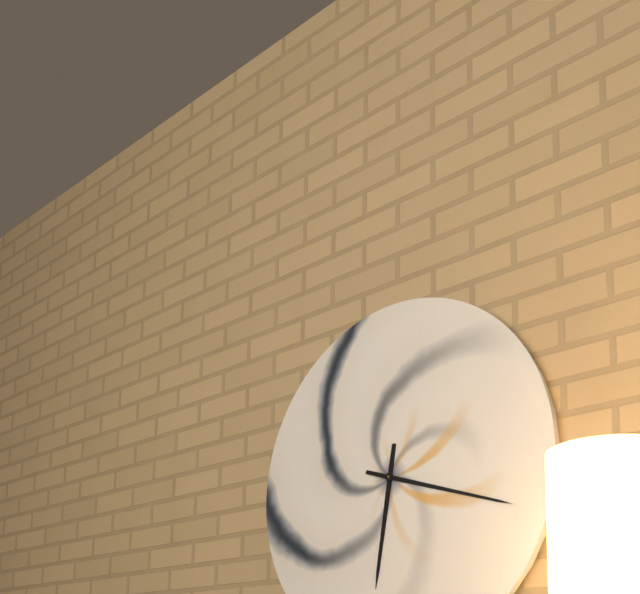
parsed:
6:18
